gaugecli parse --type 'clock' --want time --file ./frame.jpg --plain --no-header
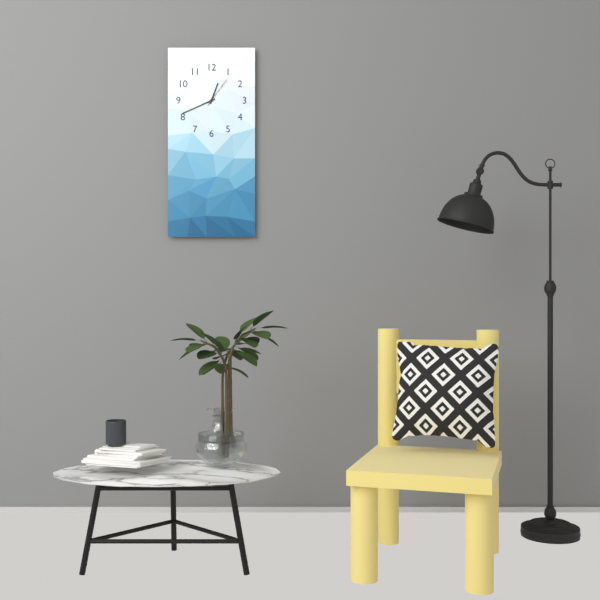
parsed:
12:41
